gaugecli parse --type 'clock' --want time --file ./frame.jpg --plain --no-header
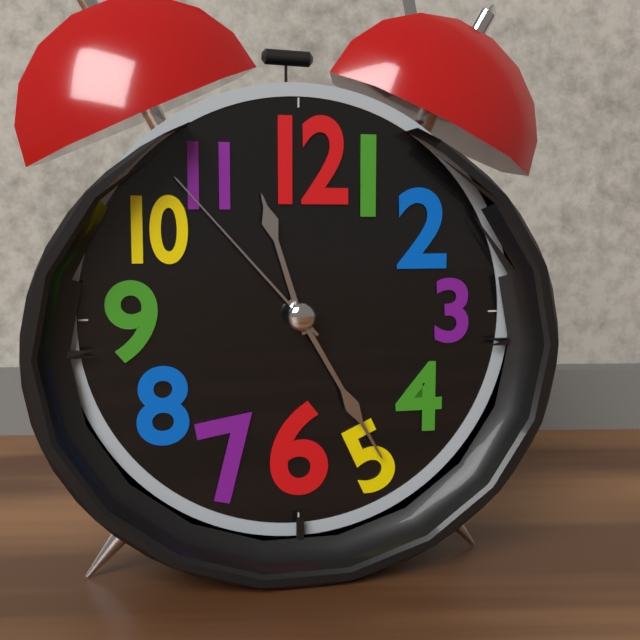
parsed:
11:25:53
